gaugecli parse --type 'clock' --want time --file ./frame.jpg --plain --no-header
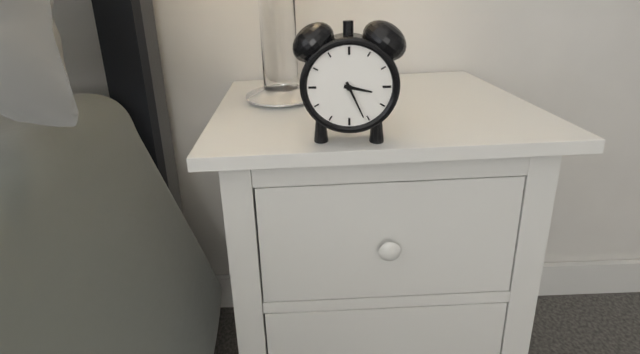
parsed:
3:26
